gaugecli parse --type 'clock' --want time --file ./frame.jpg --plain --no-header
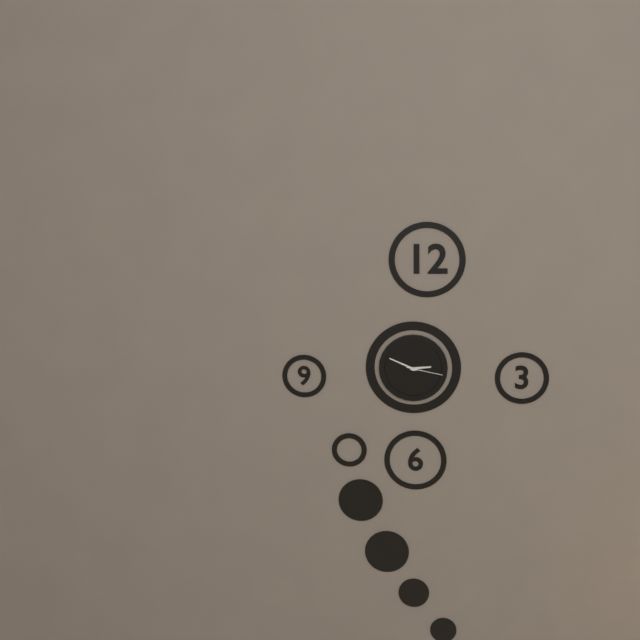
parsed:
2:49
